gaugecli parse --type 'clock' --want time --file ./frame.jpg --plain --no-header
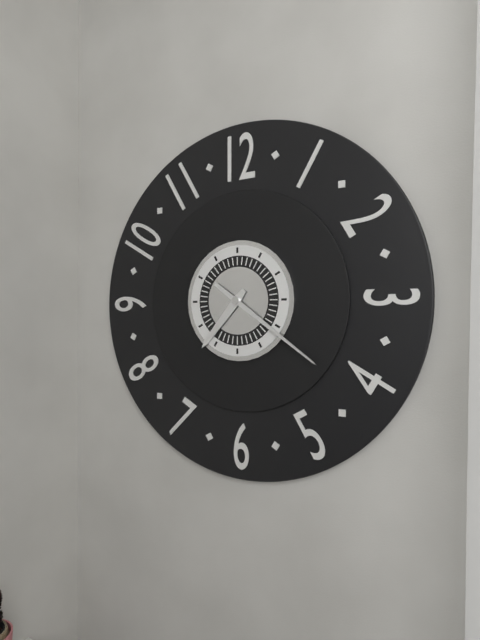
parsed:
7:21
